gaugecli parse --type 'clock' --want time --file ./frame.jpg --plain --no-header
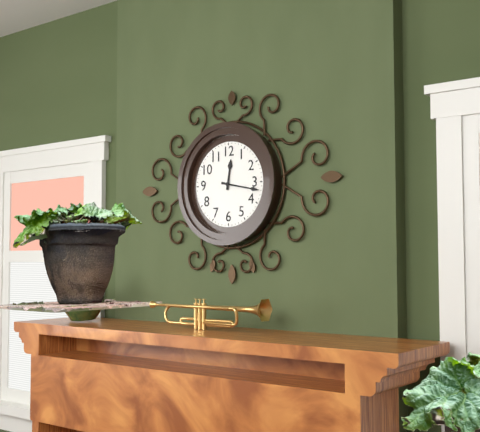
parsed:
12:17
